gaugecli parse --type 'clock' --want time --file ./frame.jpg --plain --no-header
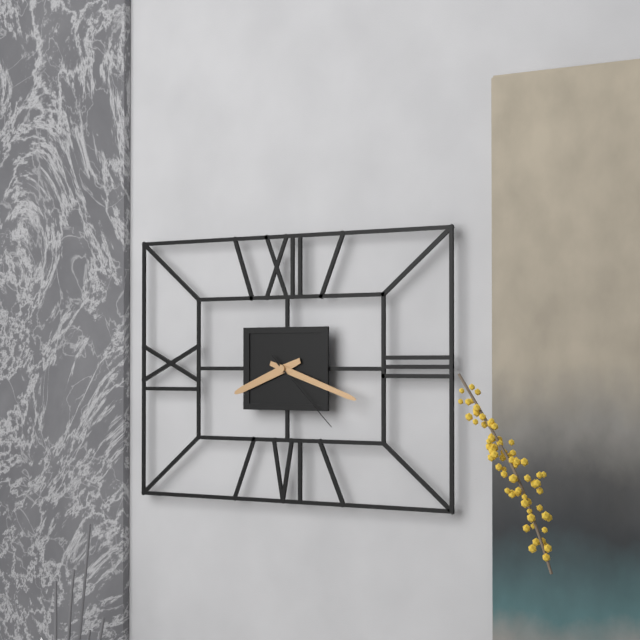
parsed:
8:18:22
